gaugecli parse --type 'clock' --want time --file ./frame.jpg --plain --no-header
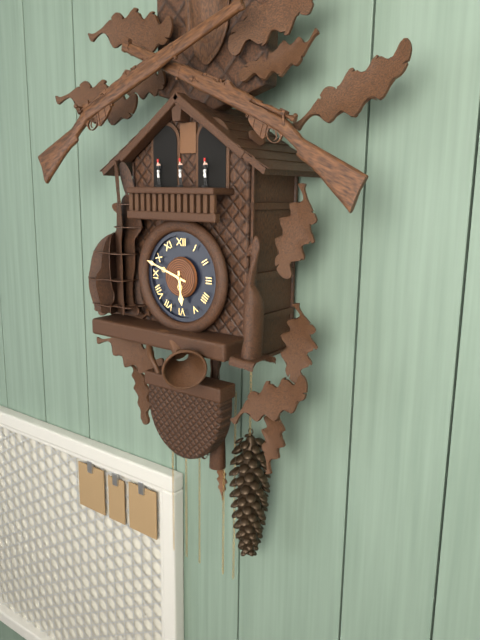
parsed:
5:48
